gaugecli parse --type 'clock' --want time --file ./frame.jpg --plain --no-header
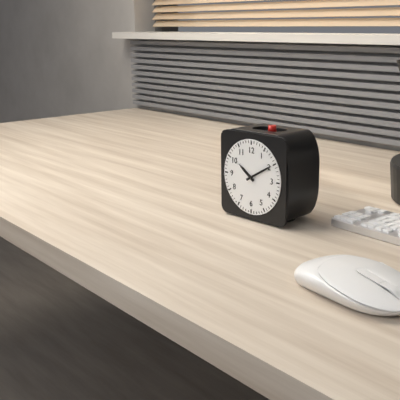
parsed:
10:10
